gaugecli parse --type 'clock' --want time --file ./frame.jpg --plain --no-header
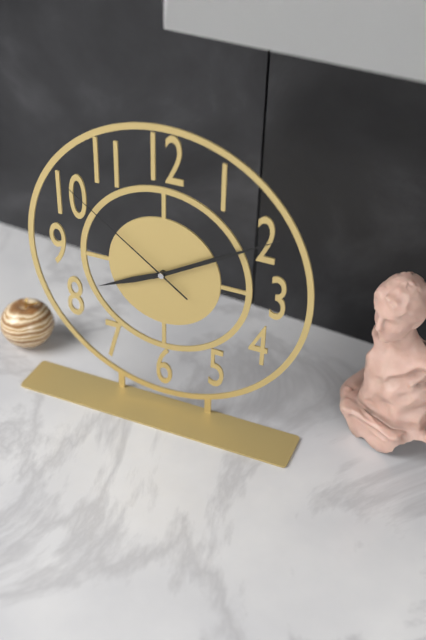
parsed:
8:10:51
